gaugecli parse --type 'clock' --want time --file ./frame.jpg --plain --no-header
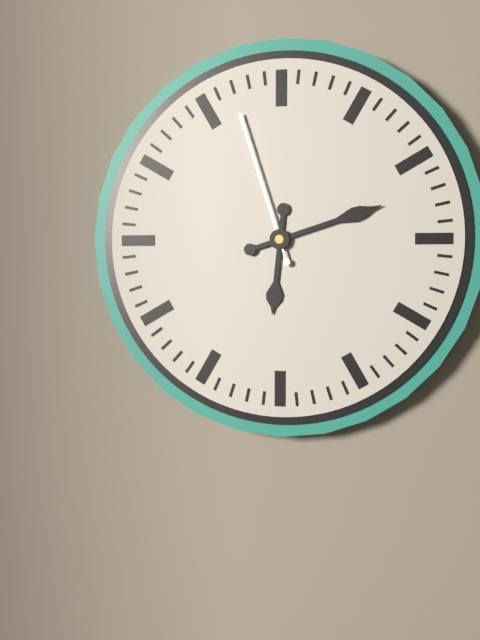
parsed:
6:12:57
